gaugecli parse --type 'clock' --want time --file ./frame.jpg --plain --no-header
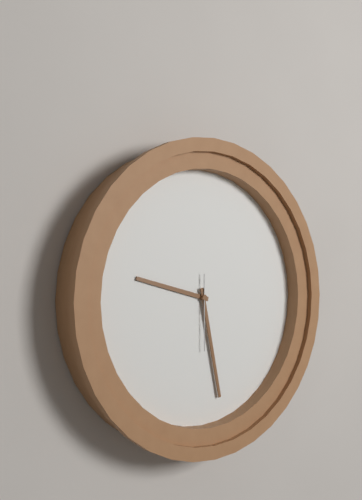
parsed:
9:28:30
